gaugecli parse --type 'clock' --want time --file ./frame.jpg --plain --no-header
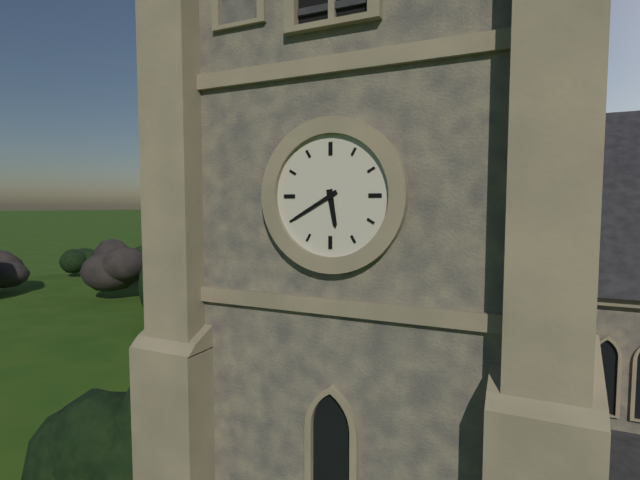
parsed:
5:40
